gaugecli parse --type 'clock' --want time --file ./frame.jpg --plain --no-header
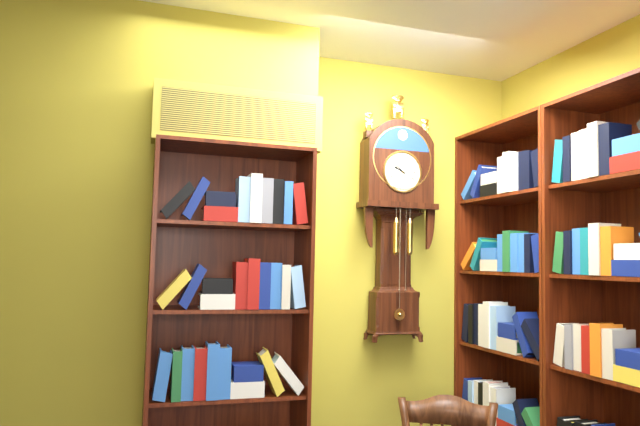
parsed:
9:52
